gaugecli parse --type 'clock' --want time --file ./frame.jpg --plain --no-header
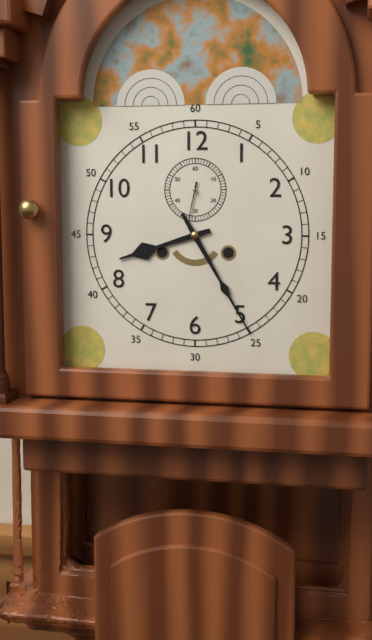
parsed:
8:25
